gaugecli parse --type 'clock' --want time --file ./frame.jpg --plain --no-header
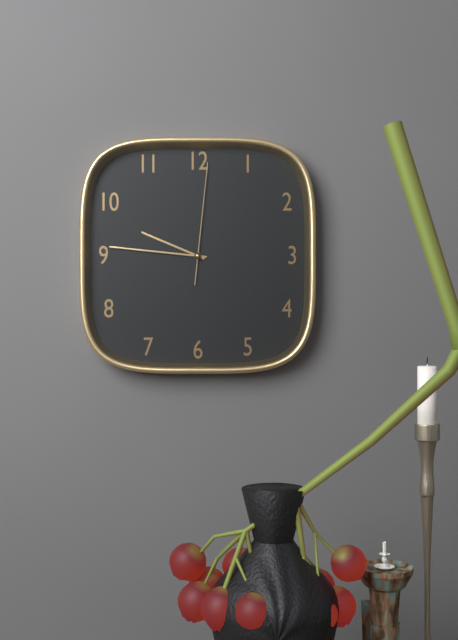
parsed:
9:46:01
